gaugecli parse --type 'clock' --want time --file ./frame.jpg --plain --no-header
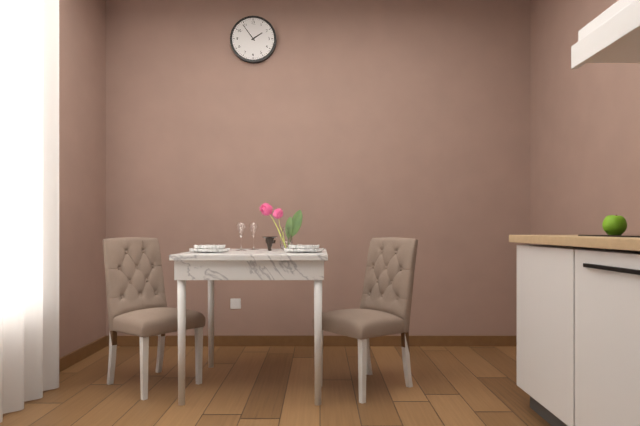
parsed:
1:54
